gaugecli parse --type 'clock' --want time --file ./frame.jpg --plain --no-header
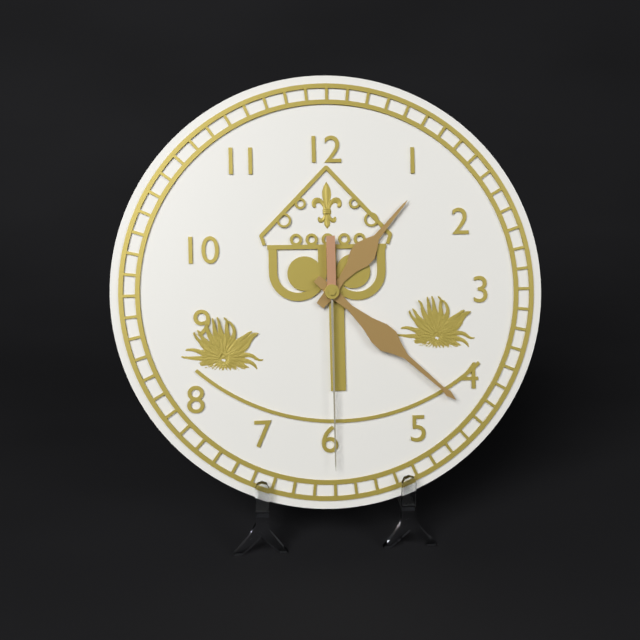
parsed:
1:22:30
